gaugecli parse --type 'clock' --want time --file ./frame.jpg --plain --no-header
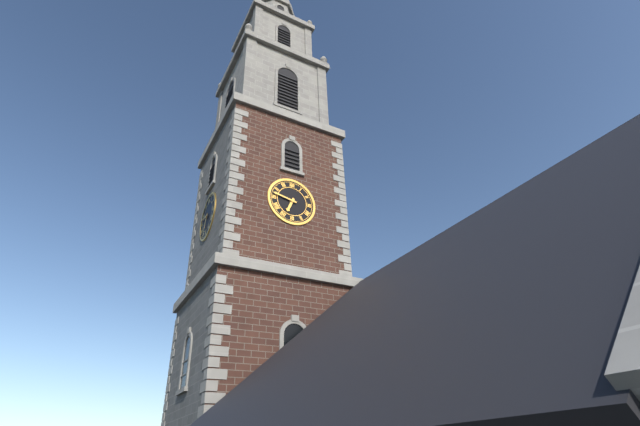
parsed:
6:47
